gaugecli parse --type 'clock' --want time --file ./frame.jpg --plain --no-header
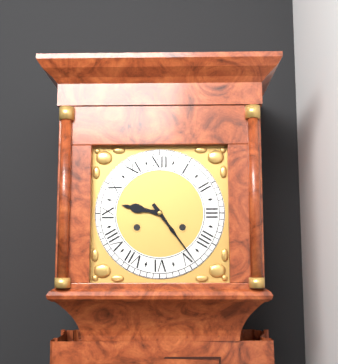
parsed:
9:24
